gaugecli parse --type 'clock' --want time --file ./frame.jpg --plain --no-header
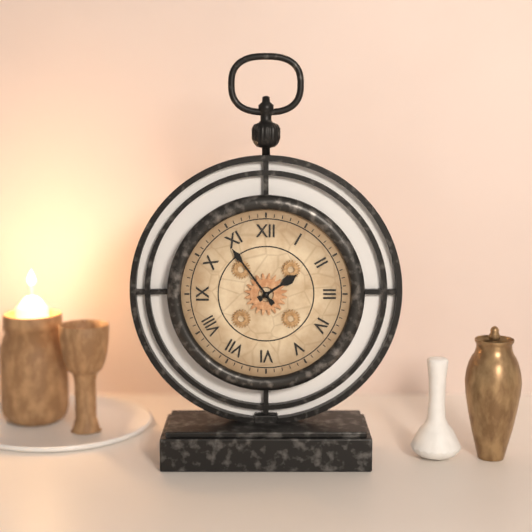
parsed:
1:54
